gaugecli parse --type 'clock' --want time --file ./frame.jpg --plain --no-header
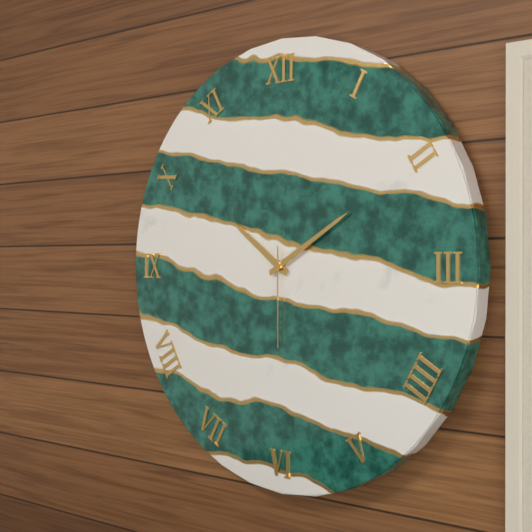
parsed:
10:10:30
